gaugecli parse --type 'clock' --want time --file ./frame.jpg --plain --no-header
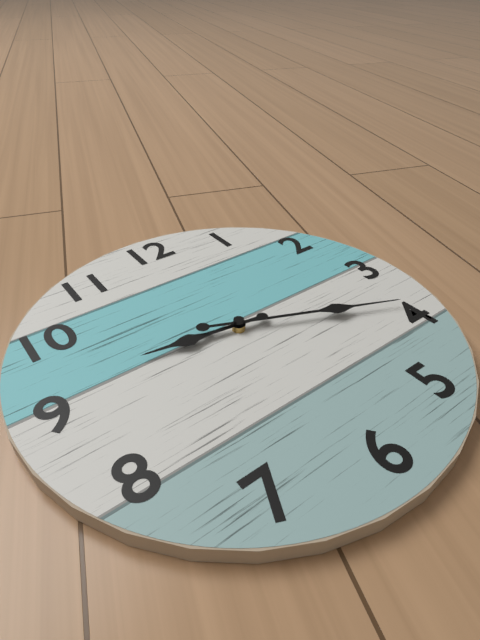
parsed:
9:19
